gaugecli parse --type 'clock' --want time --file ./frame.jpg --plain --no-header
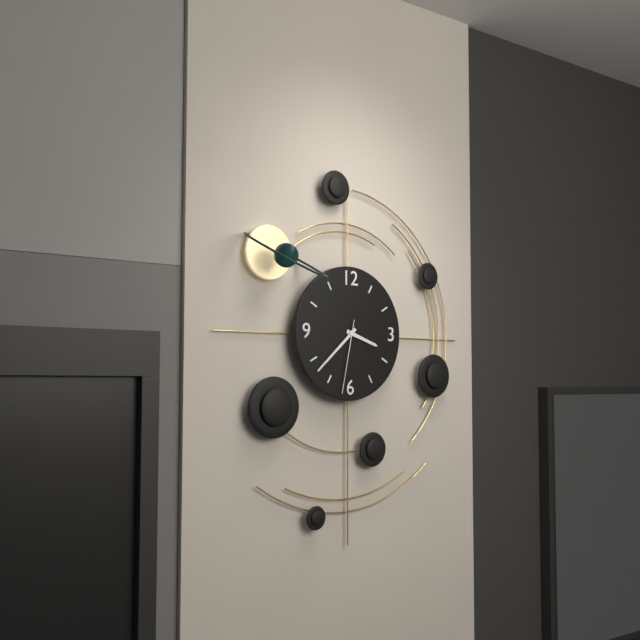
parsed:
3:38:32
